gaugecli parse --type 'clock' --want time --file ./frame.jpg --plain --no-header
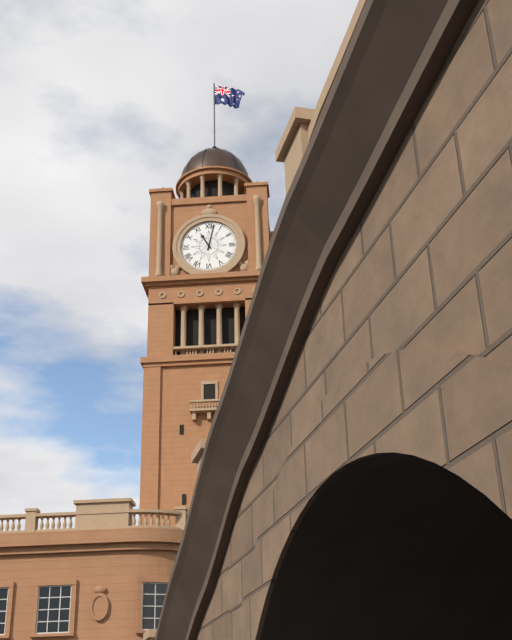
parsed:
11:02
